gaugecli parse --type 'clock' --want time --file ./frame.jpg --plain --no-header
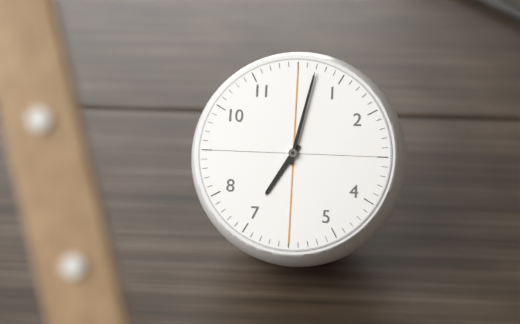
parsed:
7:02
